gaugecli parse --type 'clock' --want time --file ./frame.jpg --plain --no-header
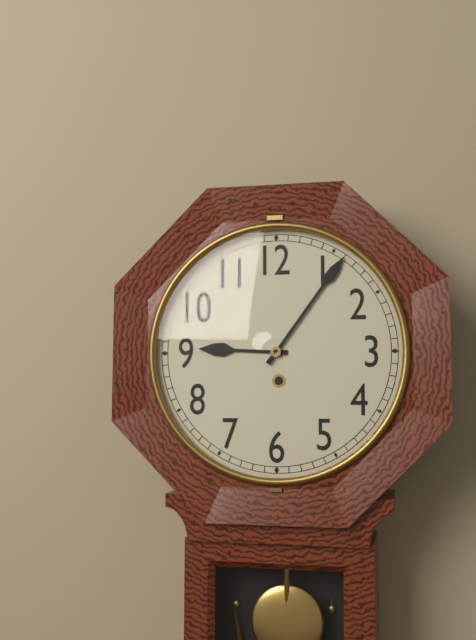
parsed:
9:06
